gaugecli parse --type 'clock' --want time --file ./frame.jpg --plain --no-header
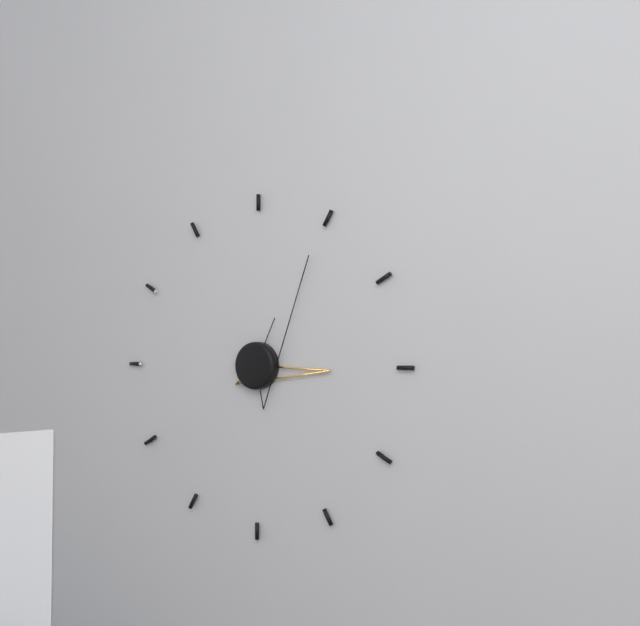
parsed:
3:05
